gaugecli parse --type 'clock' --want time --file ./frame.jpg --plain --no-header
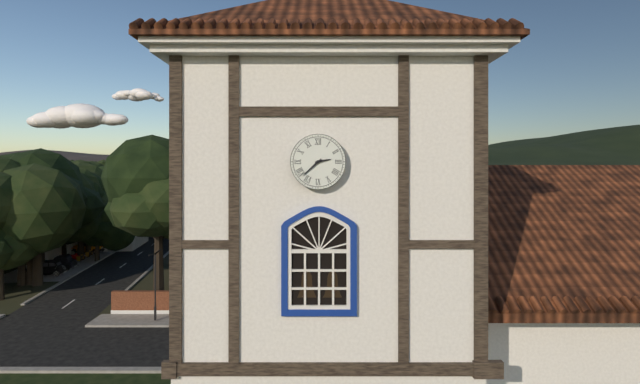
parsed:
2:38
